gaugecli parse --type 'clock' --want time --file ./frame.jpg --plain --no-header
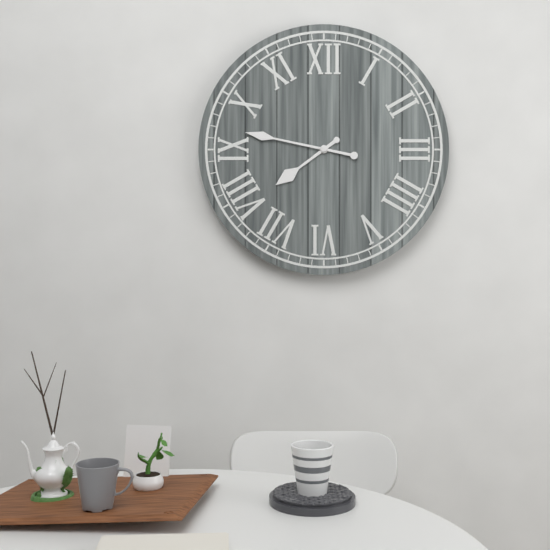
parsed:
7:47
